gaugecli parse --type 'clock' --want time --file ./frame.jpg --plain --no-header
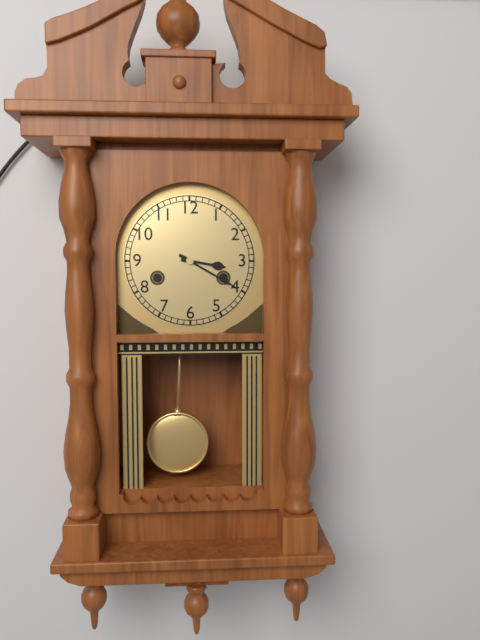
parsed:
3:20
